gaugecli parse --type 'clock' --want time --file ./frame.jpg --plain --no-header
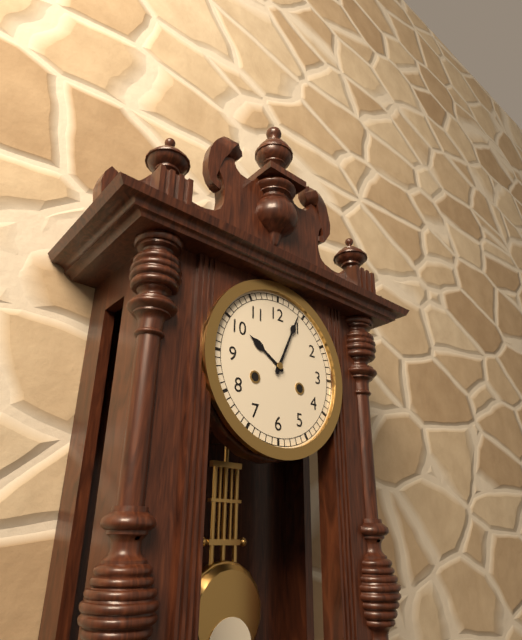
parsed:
10:04
